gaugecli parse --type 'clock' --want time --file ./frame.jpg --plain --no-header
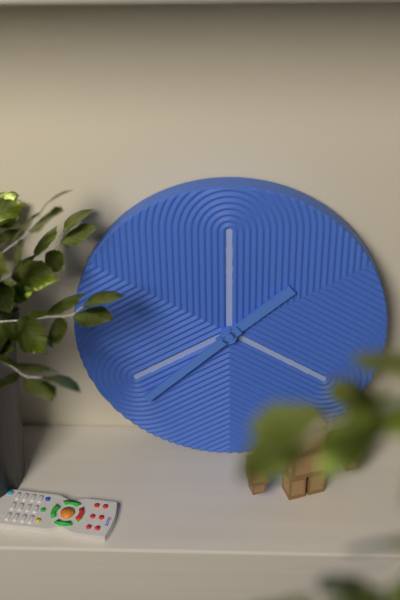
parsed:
1:38
